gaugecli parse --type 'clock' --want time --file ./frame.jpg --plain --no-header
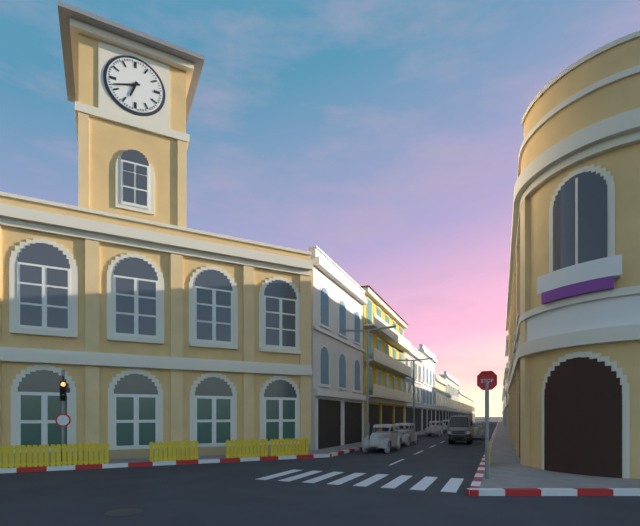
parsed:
6:42
